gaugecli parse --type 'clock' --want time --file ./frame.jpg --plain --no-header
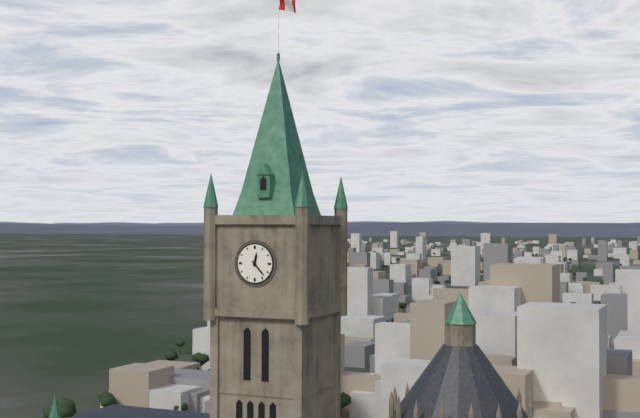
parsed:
12:23
